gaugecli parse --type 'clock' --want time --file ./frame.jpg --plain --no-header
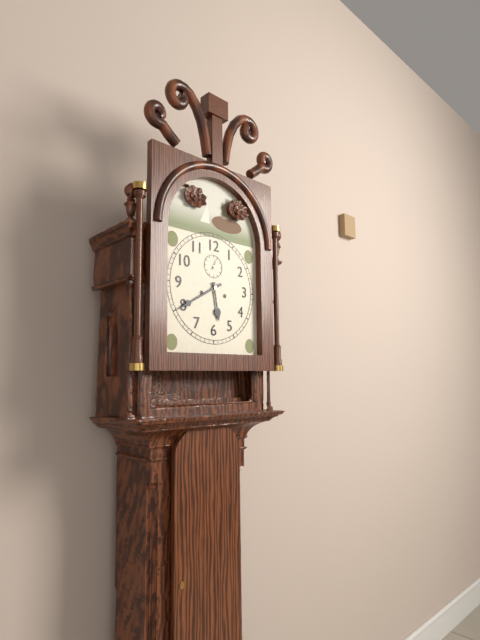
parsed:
5:40
